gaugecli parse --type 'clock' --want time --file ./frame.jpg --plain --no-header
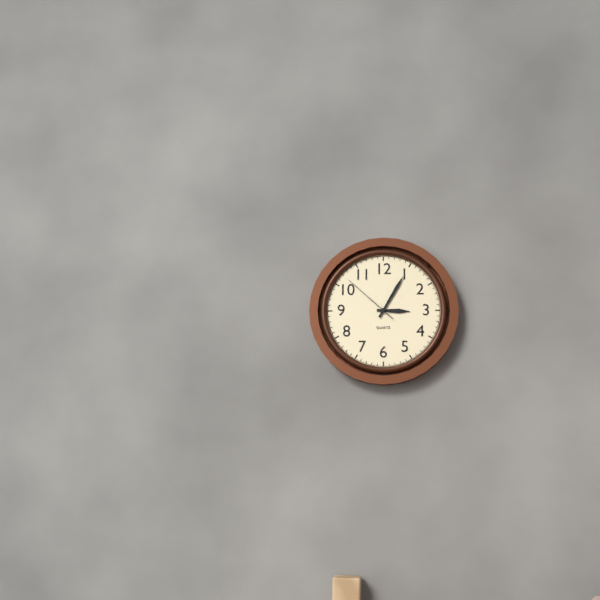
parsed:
3:05:52
